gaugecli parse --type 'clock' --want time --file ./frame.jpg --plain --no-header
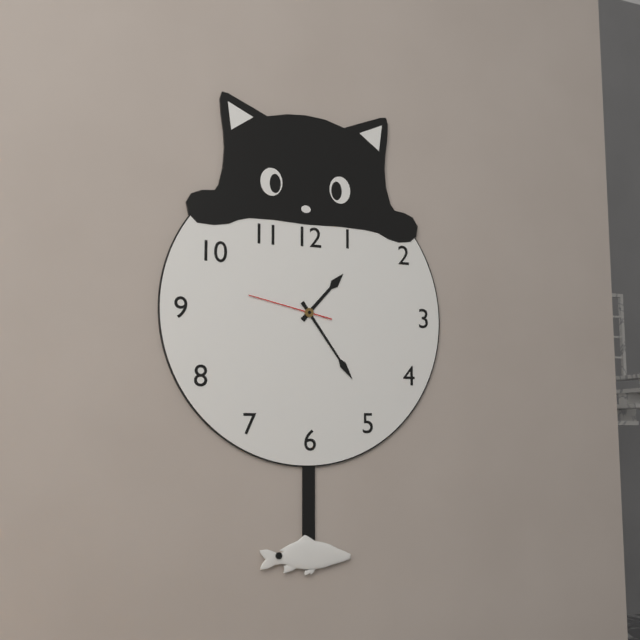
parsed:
1:24:47
